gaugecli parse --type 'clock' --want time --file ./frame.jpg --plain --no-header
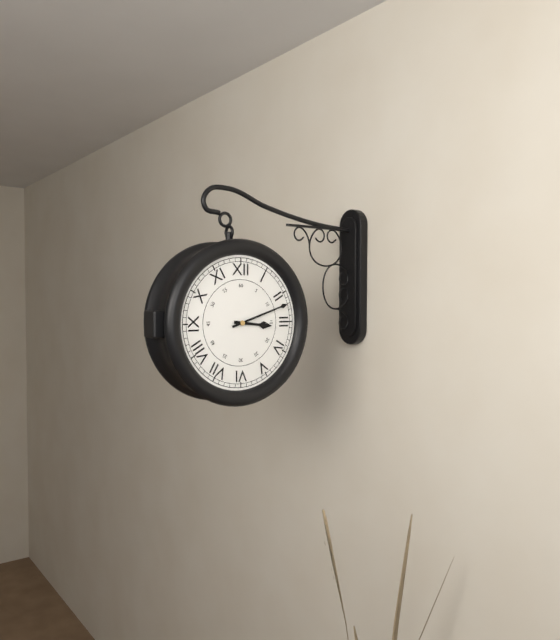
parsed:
3:12
